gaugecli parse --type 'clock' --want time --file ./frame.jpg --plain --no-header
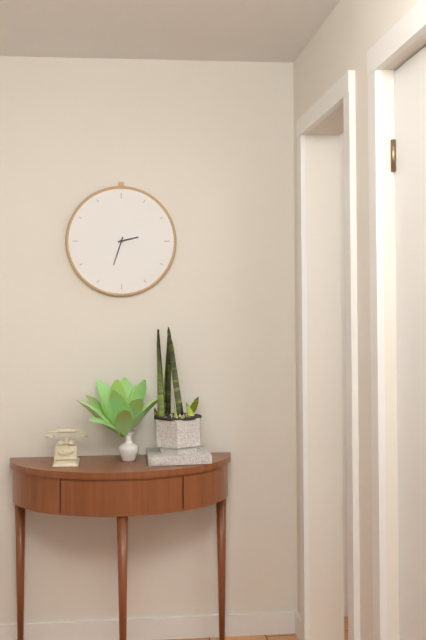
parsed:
2:33
